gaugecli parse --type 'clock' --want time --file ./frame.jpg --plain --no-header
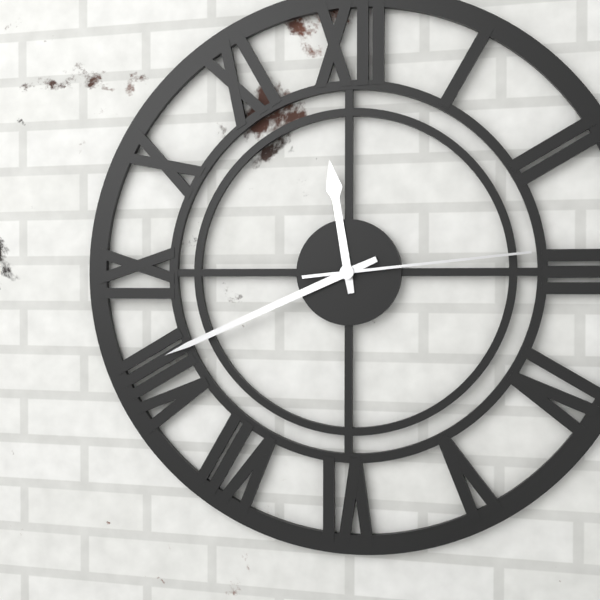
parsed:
11:41:14
